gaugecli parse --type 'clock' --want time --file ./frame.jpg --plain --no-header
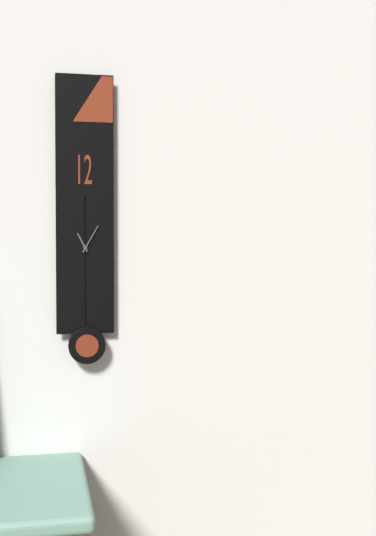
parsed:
11:05
